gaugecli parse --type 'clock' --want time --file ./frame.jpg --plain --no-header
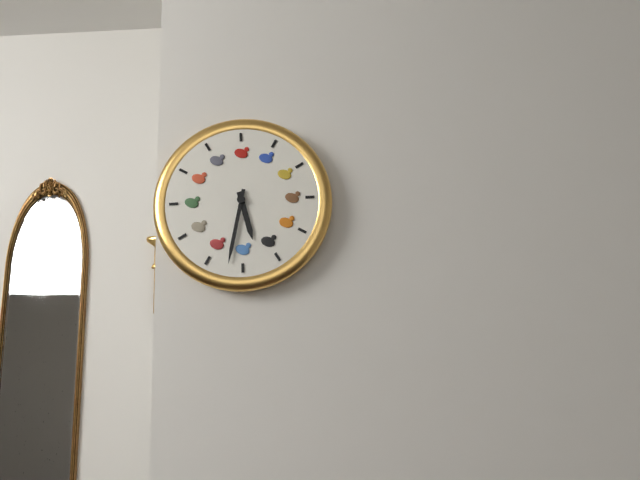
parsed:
5:32
